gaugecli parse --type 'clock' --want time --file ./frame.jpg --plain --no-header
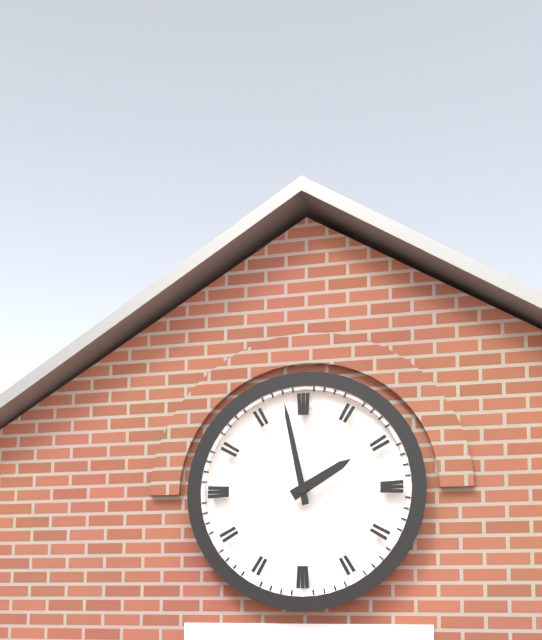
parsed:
1:58
